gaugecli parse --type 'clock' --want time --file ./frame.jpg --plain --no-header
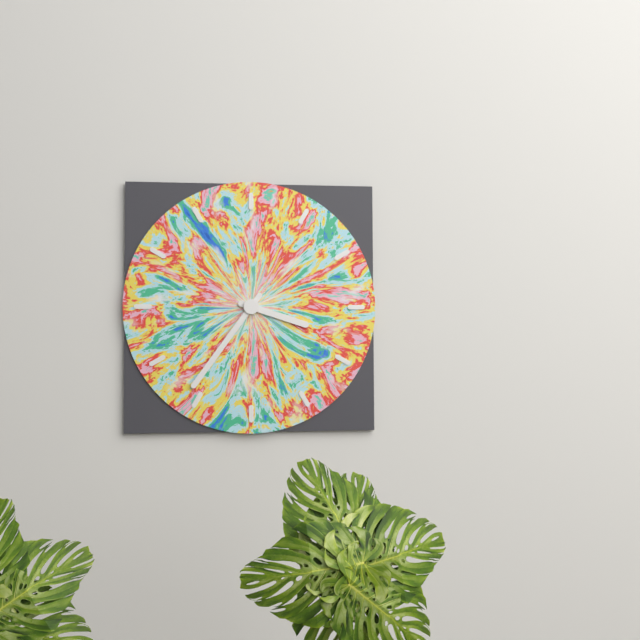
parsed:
3:36
